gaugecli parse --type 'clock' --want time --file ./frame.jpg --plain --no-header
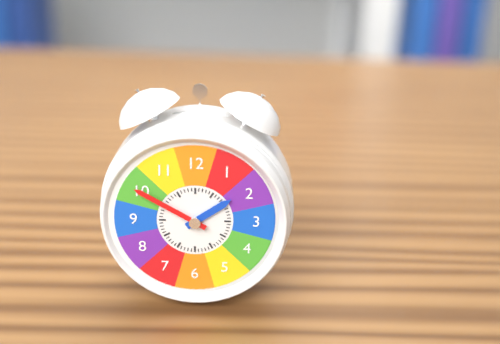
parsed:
1:50
